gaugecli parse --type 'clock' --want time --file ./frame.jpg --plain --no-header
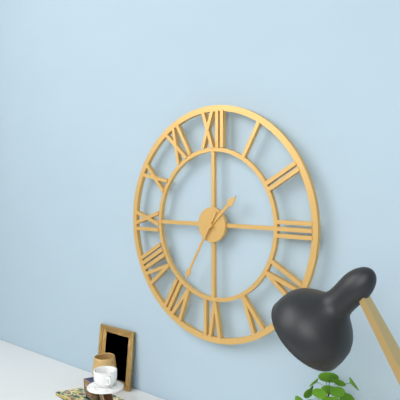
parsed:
1:35
